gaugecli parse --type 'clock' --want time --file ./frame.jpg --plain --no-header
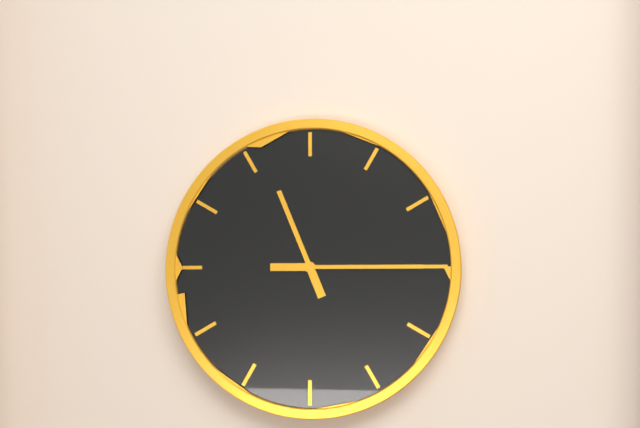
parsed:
11:15
